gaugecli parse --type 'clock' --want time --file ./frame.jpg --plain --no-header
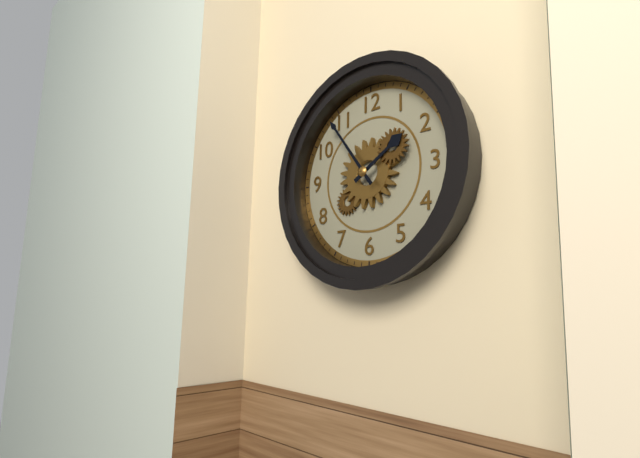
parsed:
1:54
